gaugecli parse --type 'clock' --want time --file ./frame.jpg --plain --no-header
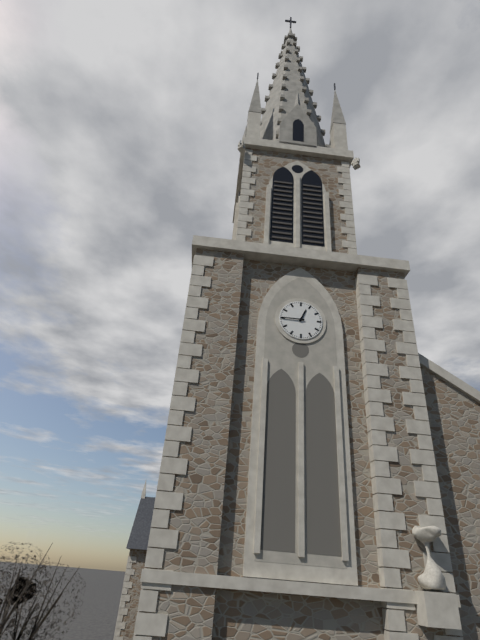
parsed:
12:45
